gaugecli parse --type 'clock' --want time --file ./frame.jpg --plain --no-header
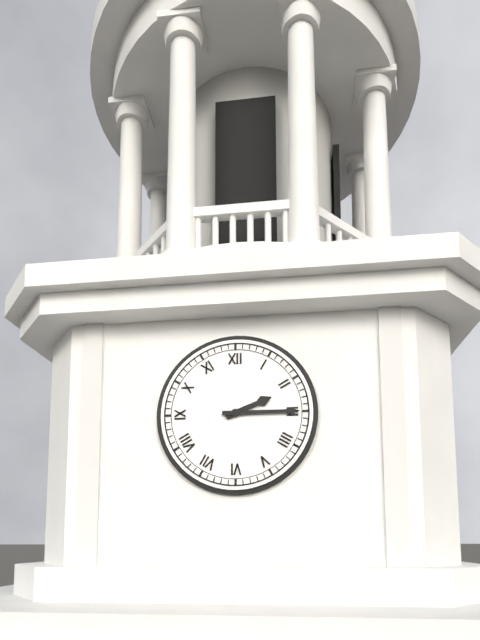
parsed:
2:15
